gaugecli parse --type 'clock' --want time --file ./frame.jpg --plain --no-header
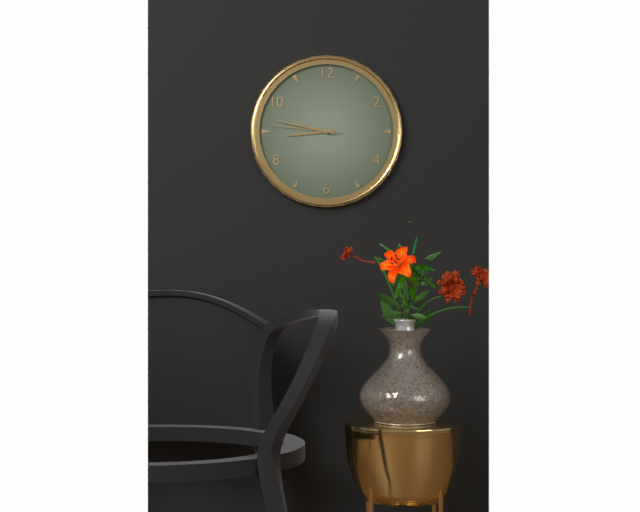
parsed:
8:47:46
